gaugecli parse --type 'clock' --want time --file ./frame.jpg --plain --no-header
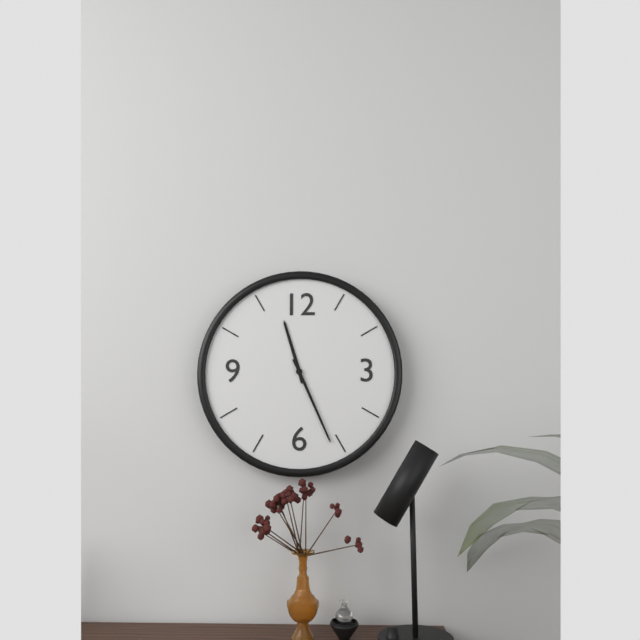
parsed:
11:26
